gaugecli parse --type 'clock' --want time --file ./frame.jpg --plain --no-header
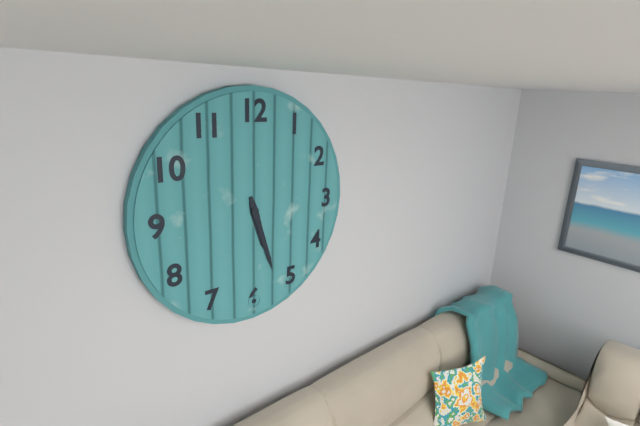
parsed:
5:27
